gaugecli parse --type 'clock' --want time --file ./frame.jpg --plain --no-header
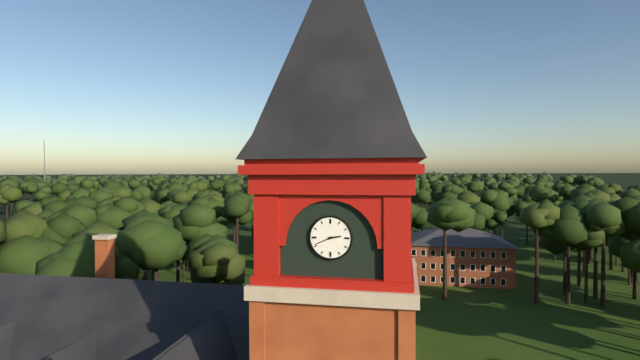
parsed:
2:41
